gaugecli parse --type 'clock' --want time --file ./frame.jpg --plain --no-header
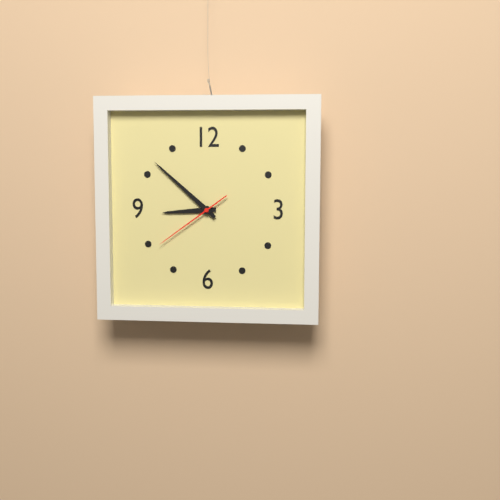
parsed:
8:52:39
